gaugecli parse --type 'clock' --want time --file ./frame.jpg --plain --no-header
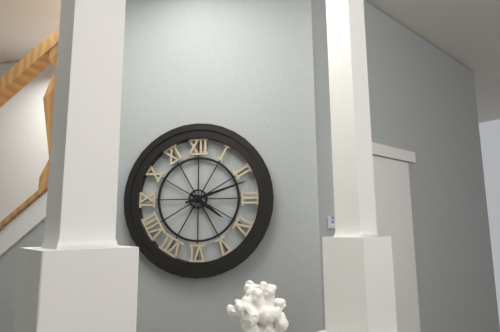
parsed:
4:12
